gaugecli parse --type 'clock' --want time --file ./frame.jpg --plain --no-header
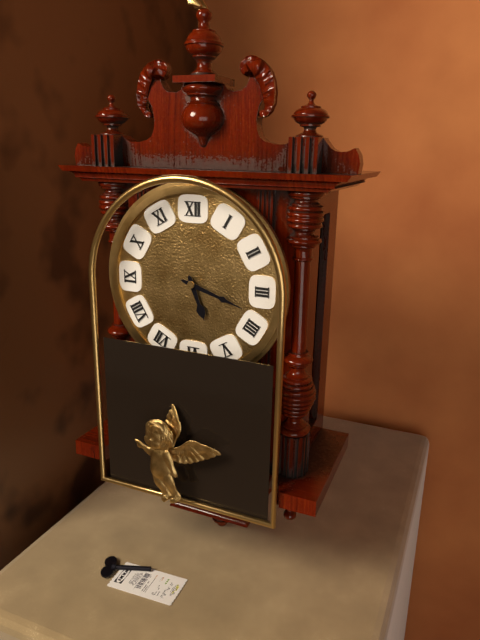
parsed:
5:18
